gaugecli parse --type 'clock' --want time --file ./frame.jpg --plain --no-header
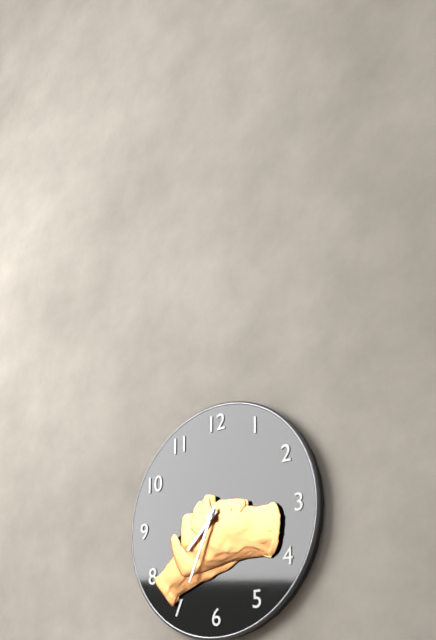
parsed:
7:34
